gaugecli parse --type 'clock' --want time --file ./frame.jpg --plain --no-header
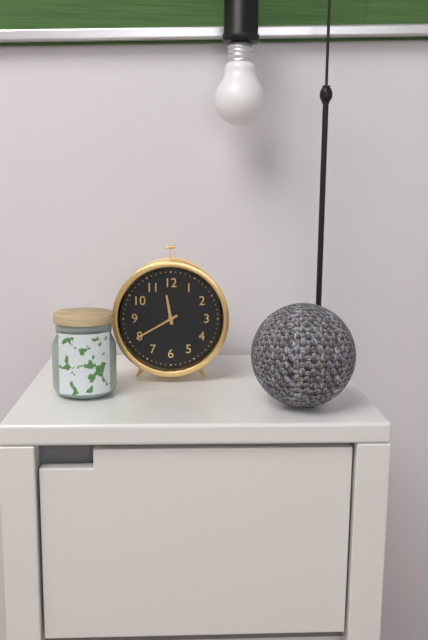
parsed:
11:40
